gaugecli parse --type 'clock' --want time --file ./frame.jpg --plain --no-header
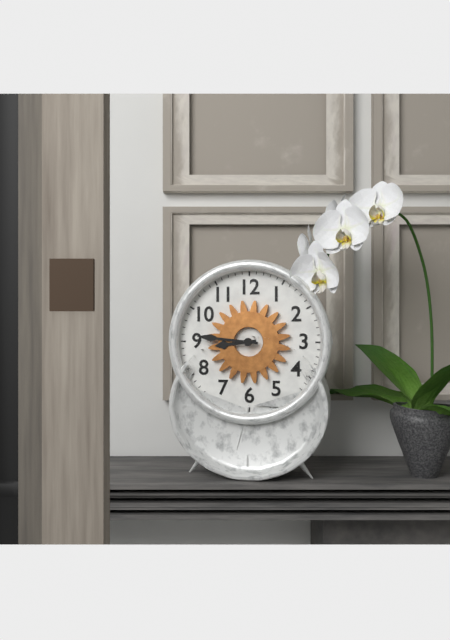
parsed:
8:46
